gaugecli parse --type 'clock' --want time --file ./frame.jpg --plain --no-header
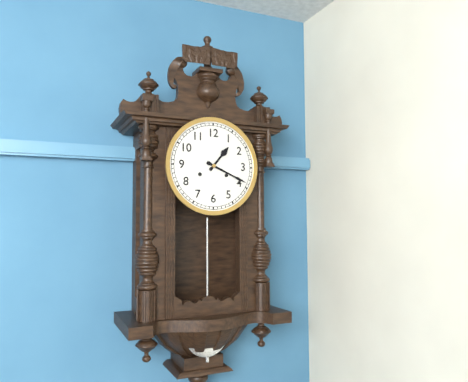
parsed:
1:19
